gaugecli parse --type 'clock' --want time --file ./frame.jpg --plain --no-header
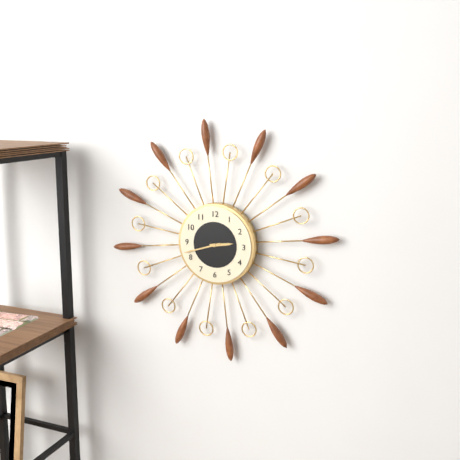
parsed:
2:42
